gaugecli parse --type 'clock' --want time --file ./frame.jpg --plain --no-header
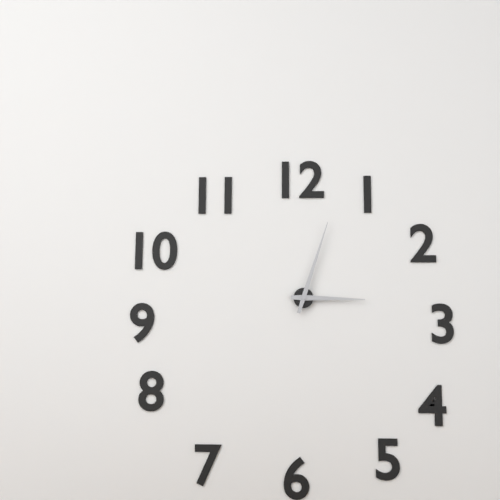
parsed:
3:03
